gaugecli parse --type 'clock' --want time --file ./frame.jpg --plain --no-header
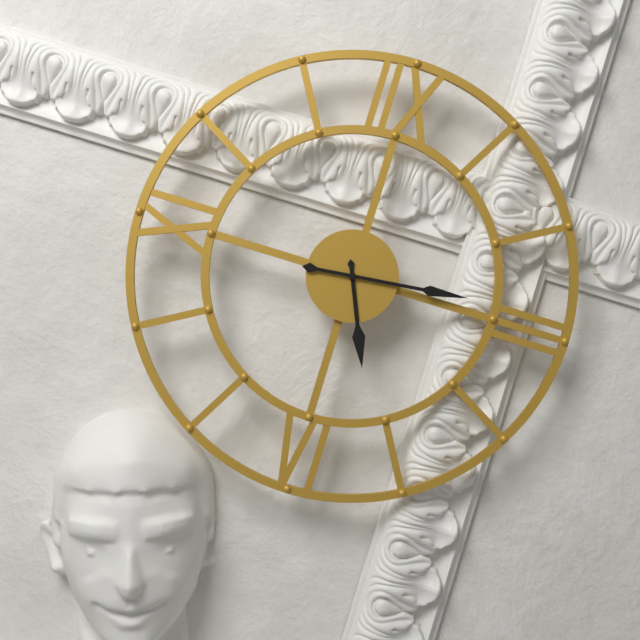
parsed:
5:14
